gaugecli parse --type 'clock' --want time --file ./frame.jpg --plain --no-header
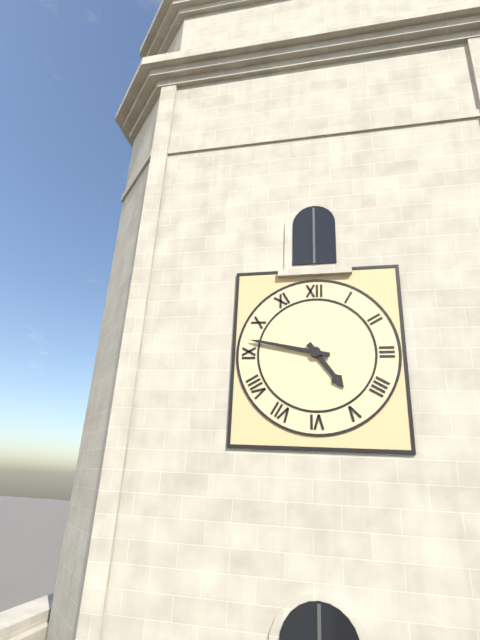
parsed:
4:47
